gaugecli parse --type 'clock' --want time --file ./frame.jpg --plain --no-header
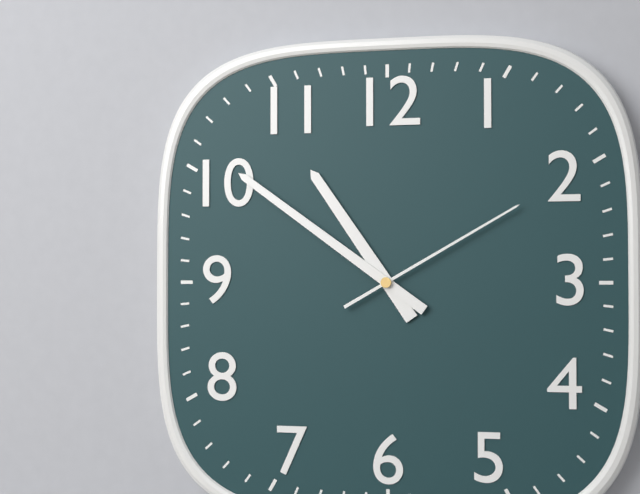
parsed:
10:51:10
